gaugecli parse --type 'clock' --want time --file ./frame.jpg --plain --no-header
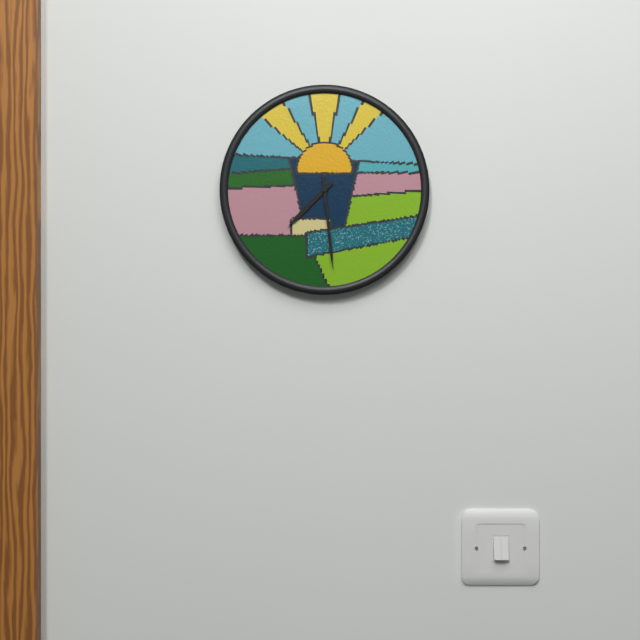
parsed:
7:29
